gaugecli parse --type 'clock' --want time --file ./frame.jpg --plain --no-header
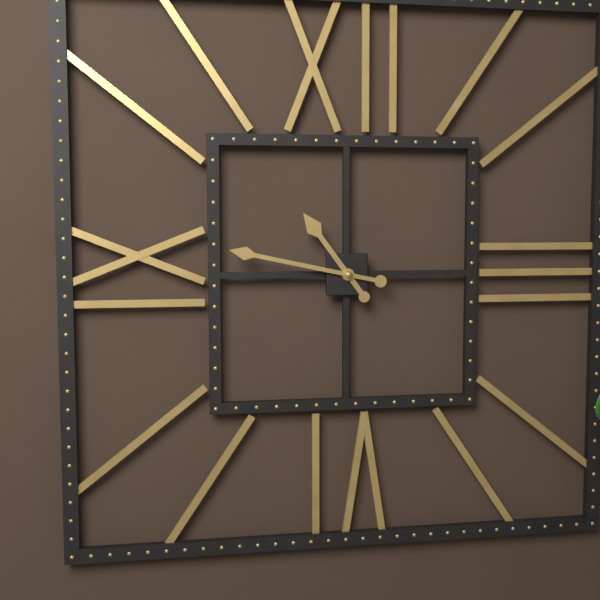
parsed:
10:47
